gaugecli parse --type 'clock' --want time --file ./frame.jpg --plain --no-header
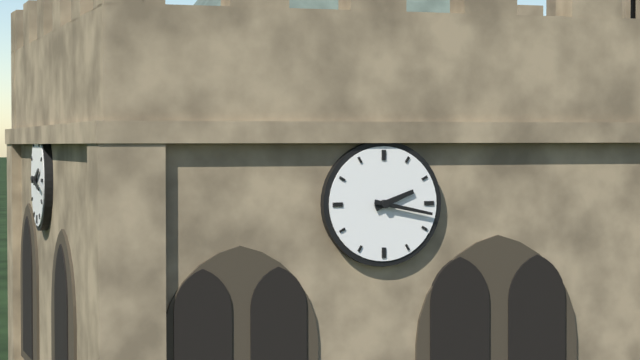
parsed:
2:17
